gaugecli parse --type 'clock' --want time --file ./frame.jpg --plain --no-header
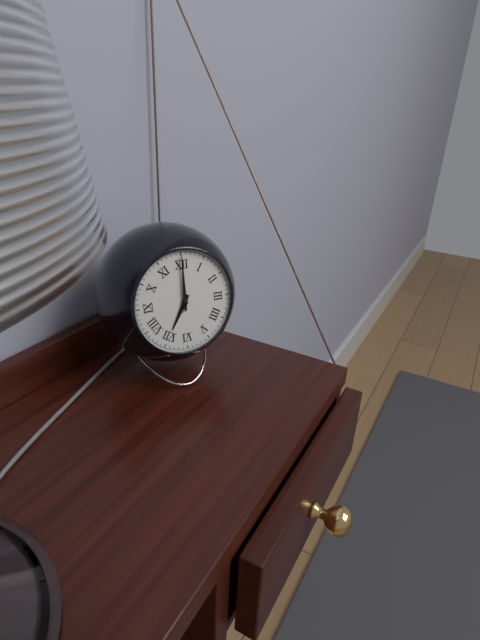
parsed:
7:00
